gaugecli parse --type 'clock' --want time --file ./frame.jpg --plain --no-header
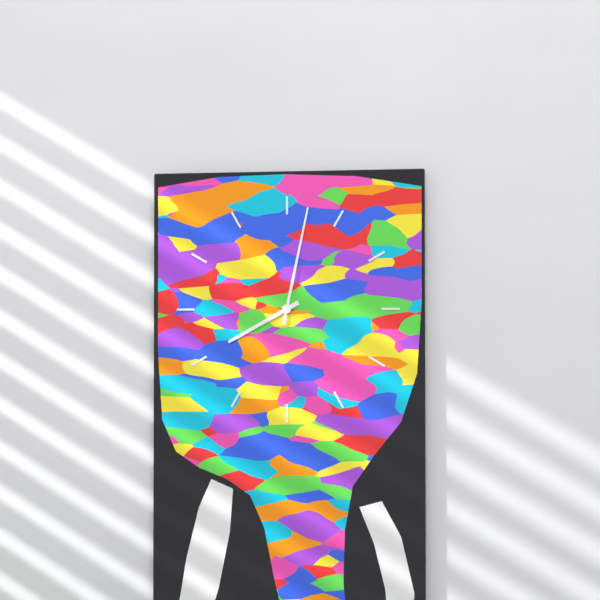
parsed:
8:02
